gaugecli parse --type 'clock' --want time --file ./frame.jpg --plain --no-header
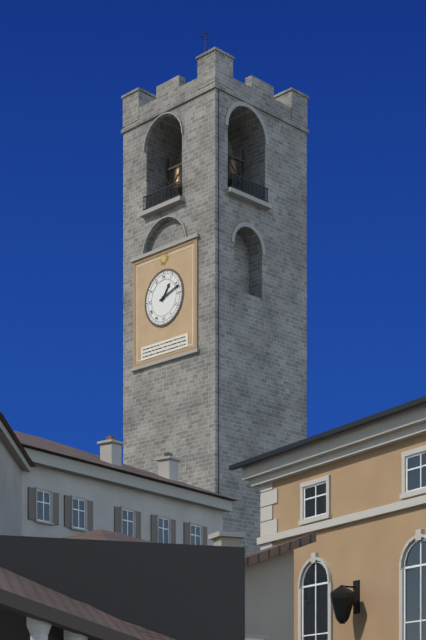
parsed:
1:12
